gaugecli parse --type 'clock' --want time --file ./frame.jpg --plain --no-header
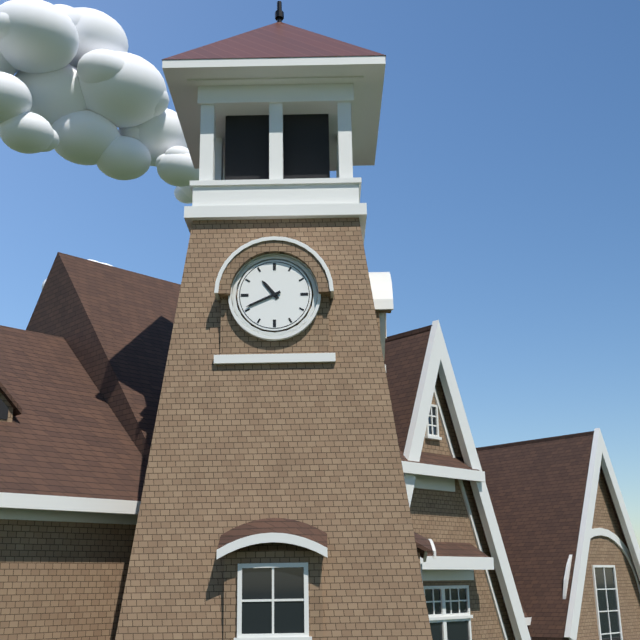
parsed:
10:41
